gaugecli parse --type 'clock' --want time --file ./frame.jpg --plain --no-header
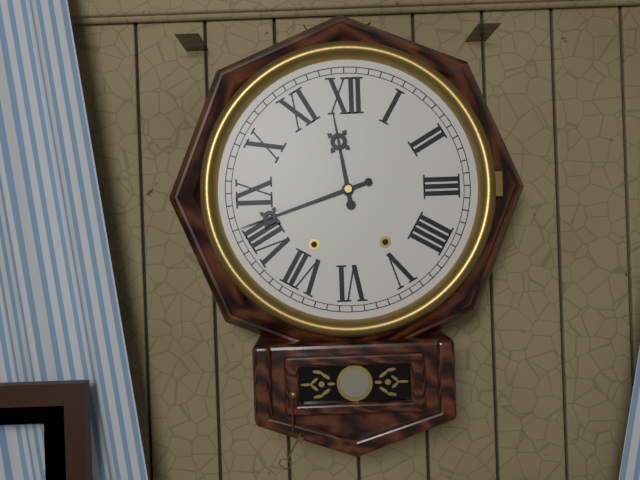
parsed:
11:42
